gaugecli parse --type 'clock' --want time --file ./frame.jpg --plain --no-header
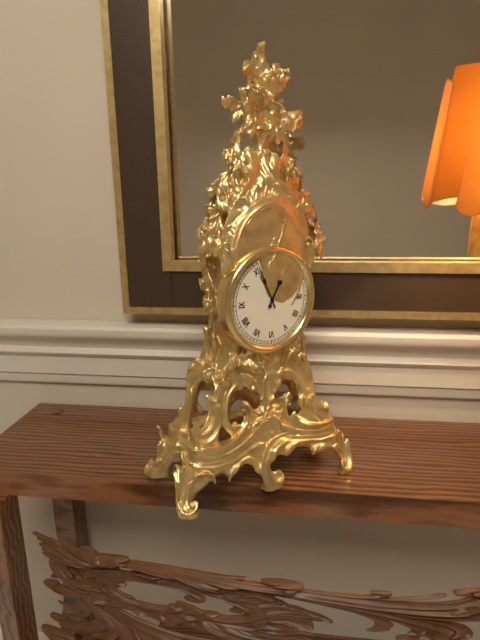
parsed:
12:56
